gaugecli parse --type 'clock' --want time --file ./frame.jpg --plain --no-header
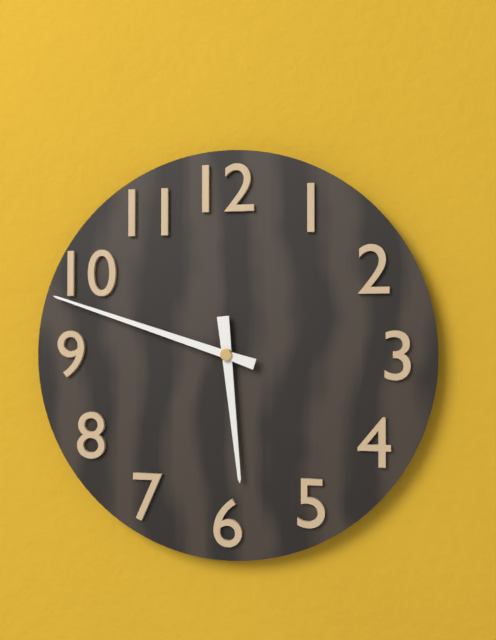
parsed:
5:48
